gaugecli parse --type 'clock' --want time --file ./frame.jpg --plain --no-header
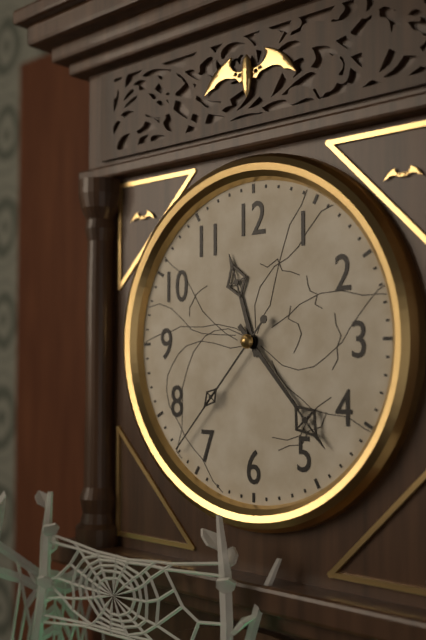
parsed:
11:23:37
